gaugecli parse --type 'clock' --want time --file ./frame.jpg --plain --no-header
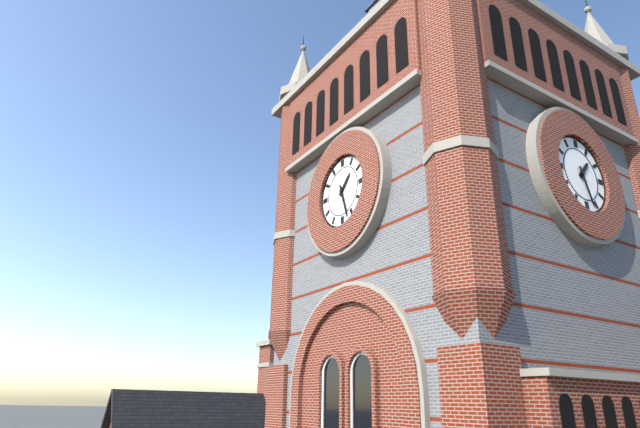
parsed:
1:27
